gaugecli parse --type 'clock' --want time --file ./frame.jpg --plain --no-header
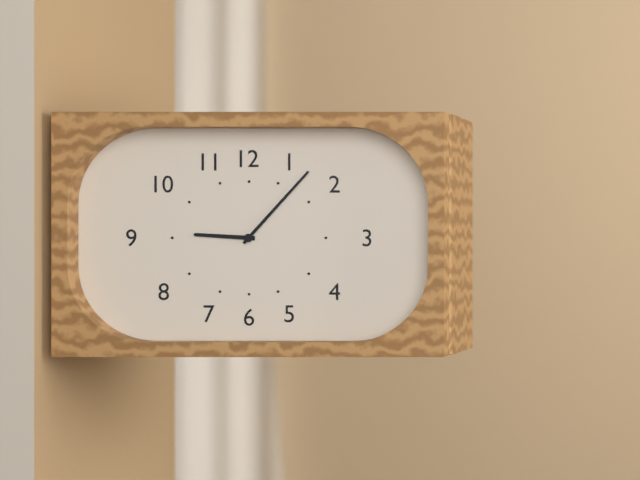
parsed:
9:07
